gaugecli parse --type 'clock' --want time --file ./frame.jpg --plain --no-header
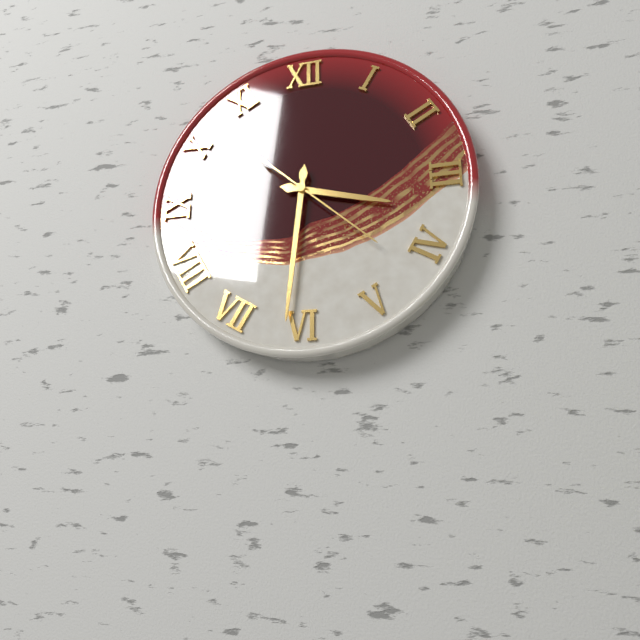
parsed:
3:31:22
